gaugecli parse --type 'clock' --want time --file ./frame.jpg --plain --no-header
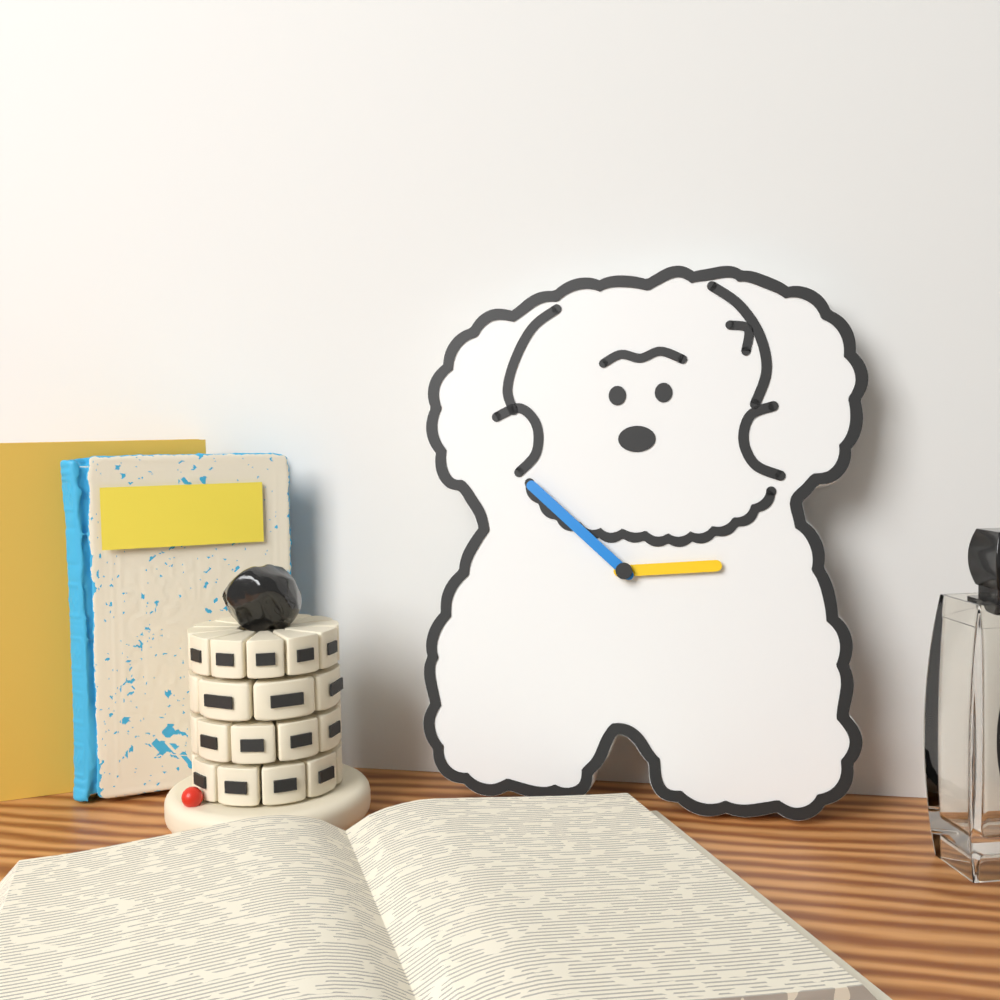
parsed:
2:52
